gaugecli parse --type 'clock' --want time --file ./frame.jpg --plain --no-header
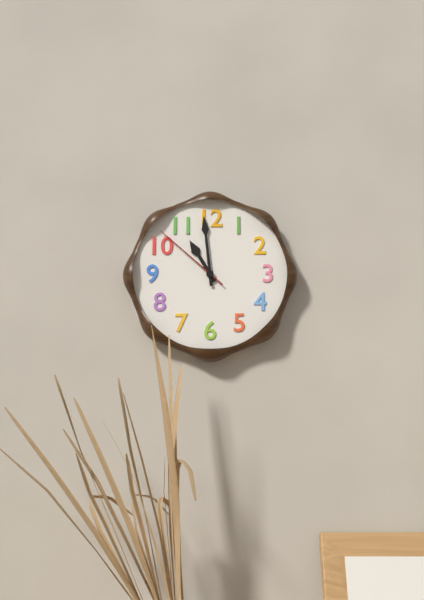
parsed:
10:59:52
